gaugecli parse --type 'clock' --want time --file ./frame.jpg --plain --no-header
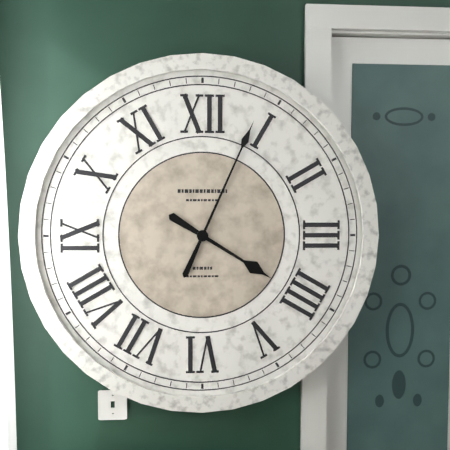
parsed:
4:04
